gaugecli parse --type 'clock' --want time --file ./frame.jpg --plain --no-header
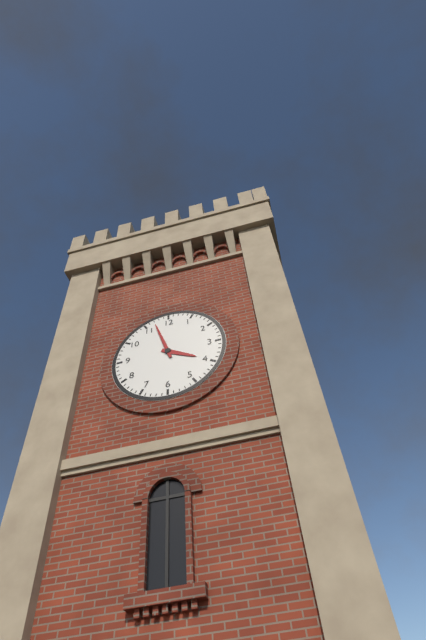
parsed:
3:57
